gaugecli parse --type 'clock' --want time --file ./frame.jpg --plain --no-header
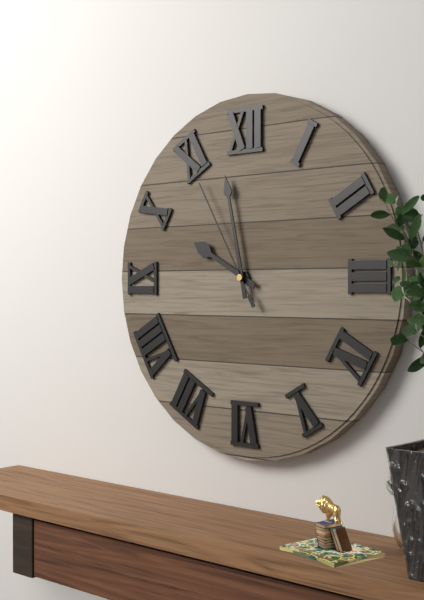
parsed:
9:58:55
